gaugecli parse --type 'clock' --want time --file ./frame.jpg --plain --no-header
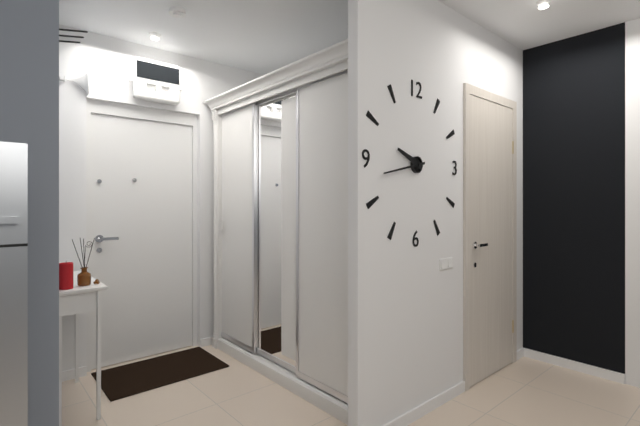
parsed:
9:43
